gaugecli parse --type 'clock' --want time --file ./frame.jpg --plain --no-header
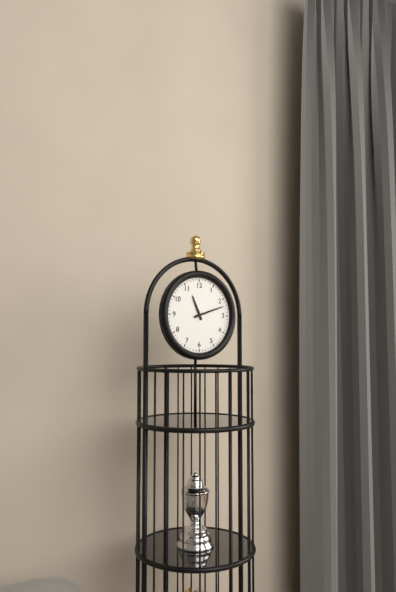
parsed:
11:12
